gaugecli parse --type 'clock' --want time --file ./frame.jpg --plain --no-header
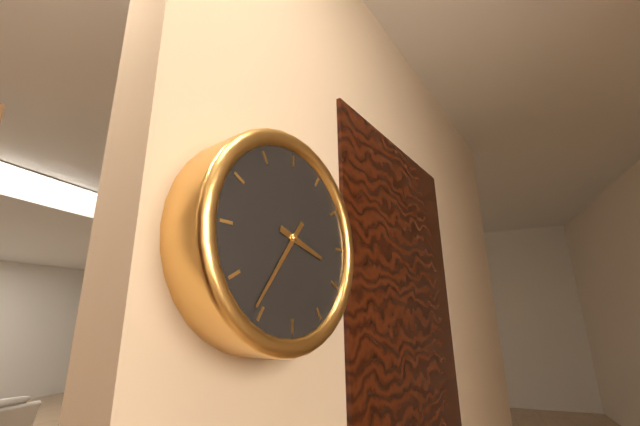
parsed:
3:36
